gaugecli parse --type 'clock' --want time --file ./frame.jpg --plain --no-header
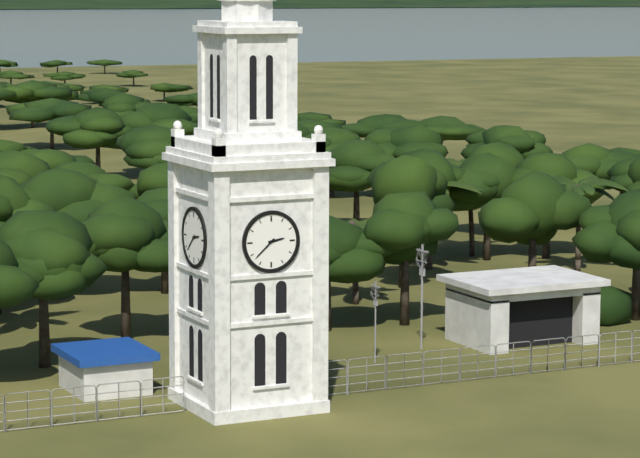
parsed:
2:38
